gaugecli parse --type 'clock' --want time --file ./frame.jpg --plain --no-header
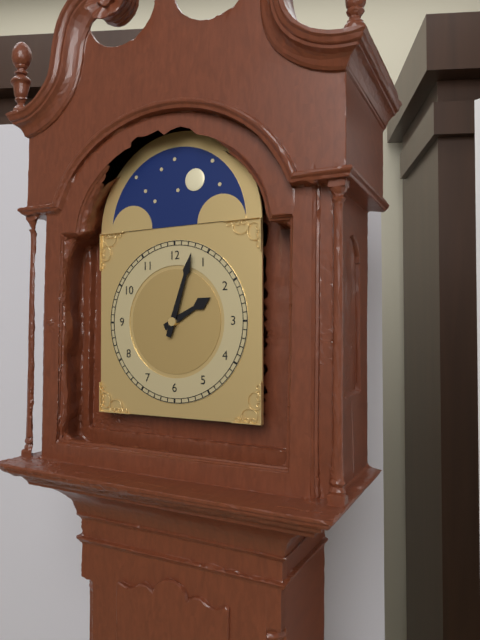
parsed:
2:03
